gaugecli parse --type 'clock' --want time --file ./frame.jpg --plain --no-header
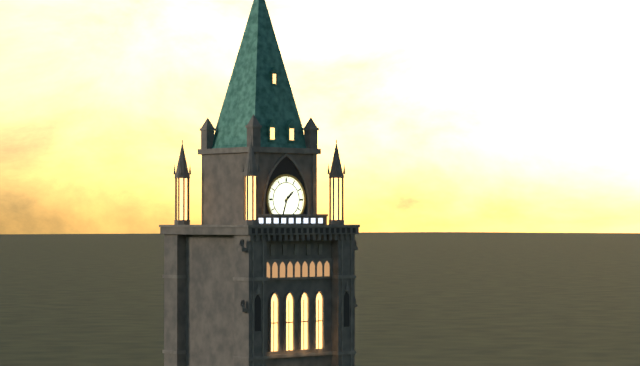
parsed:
1:33
